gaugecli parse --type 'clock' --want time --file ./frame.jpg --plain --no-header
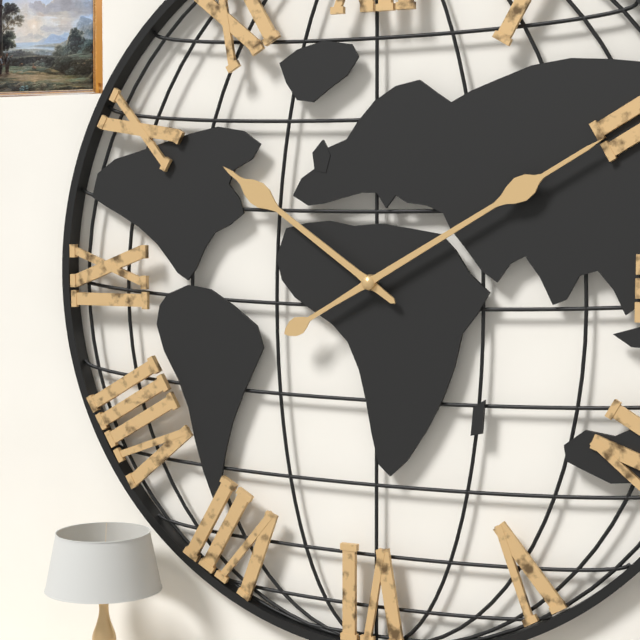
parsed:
10:10
